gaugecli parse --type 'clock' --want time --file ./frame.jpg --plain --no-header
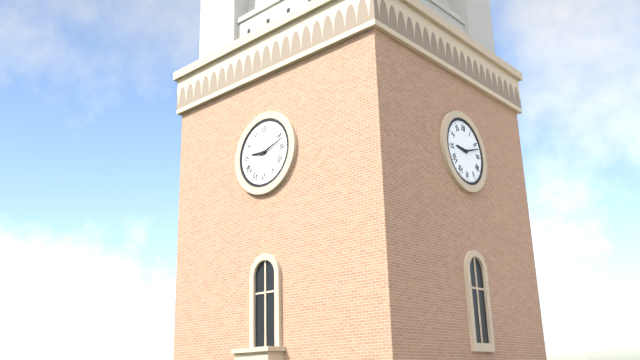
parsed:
9:12
